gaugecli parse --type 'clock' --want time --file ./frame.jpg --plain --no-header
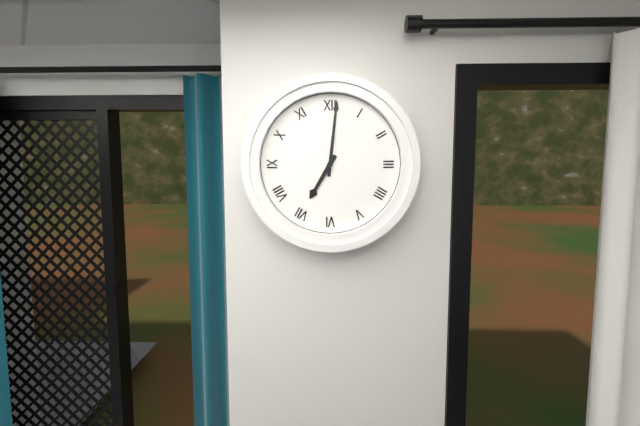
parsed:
7:01
